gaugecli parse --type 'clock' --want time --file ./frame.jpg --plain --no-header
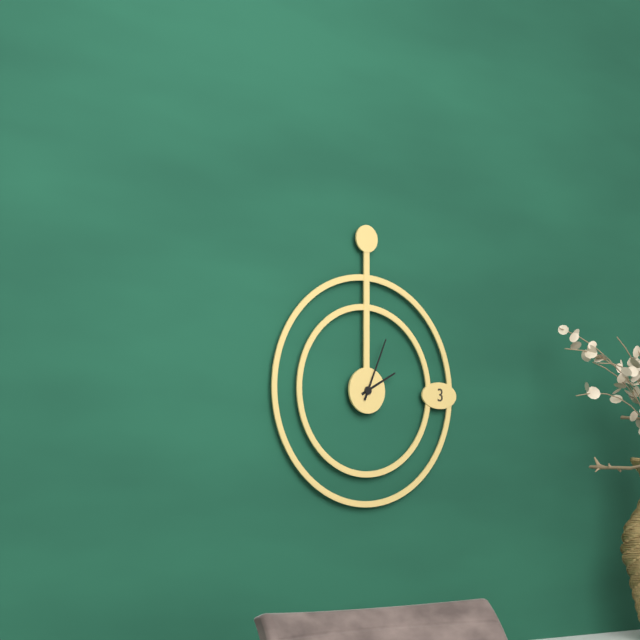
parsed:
2:04
